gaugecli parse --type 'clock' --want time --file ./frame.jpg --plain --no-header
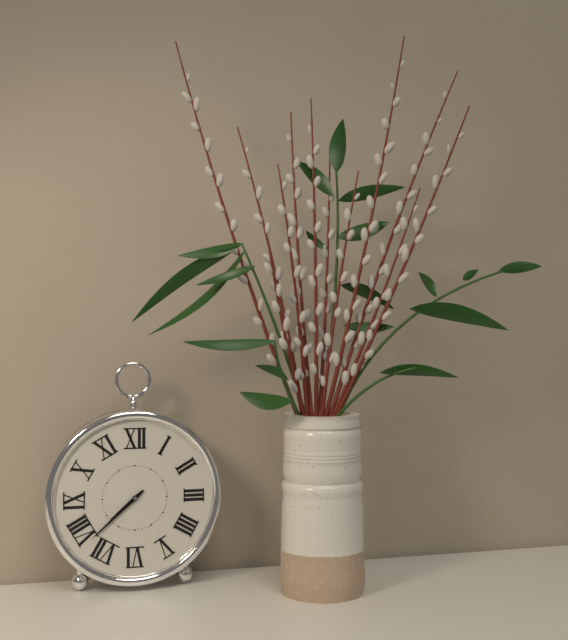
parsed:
7:38
